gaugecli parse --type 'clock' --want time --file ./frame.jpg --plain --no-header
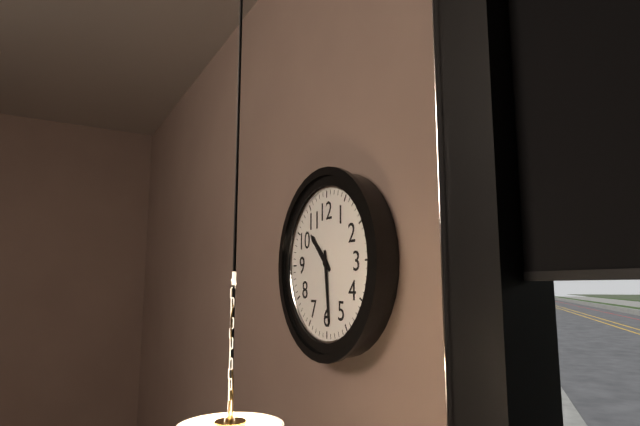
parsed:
10:29
